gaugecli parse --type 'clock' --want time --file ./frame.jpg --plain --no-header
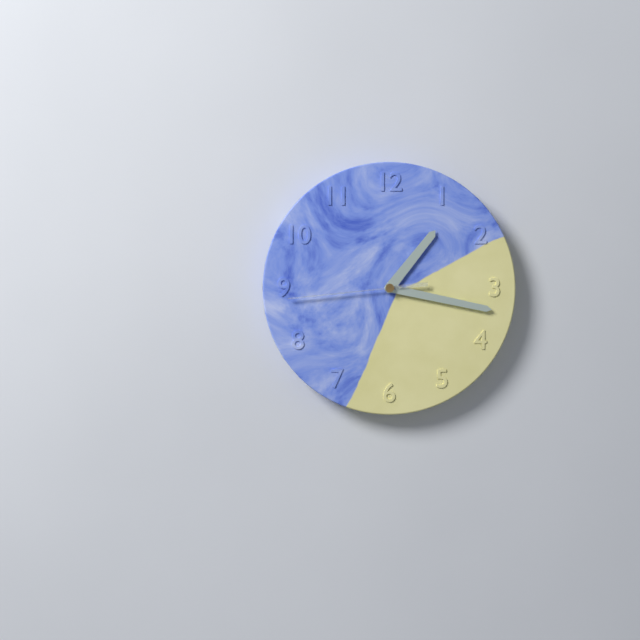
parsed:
1:17:44
